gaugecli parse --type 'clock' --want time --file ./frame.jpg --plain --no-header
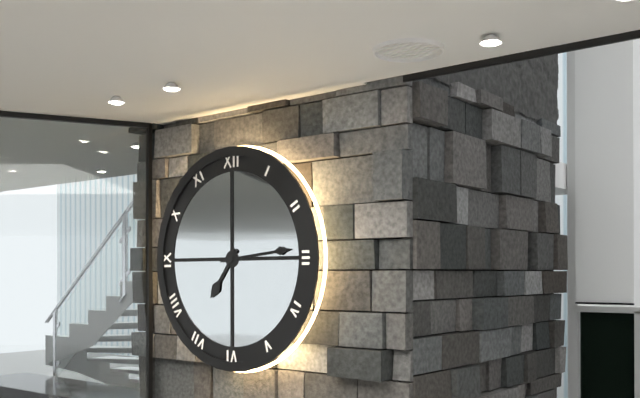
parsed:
7:14
